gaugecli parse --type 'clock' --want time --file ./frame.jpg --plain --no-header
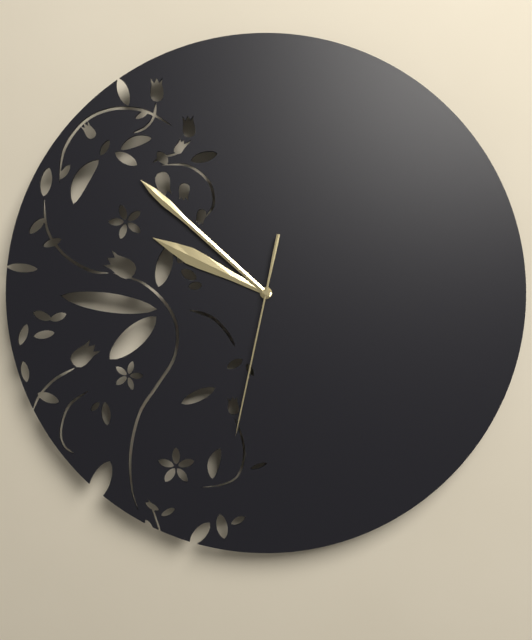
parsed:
9:52:32
